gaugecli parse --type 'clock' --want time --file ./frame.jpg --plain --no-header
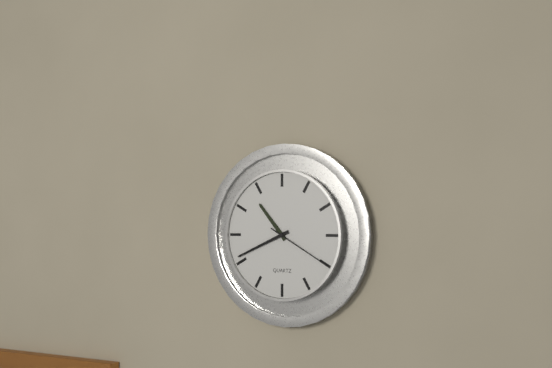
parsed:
10:41:20
